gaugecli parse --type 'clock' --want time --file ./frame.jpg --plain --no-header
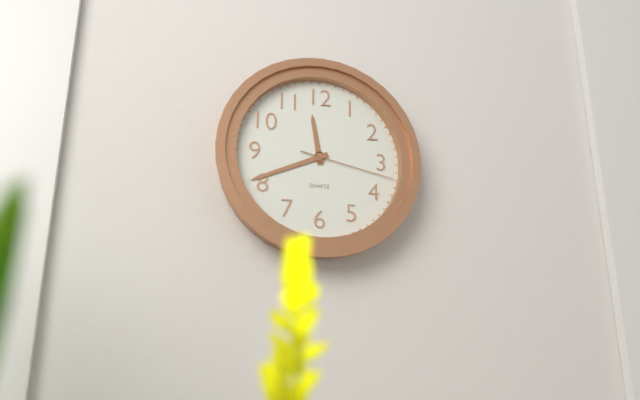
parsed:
11:41:17
